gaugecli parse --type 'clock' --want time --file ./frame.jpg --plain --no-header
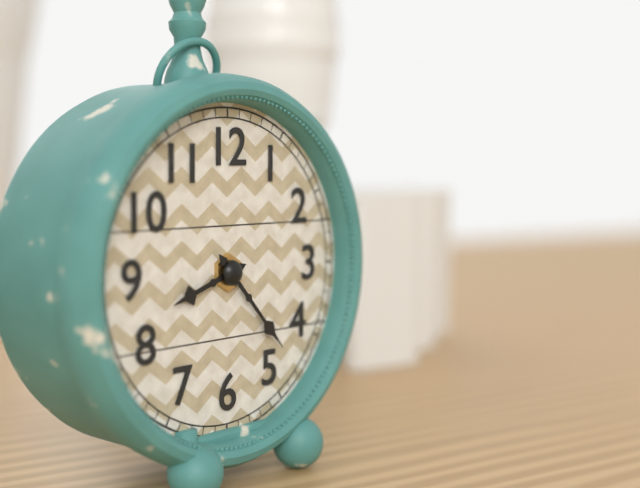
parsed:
8:23
